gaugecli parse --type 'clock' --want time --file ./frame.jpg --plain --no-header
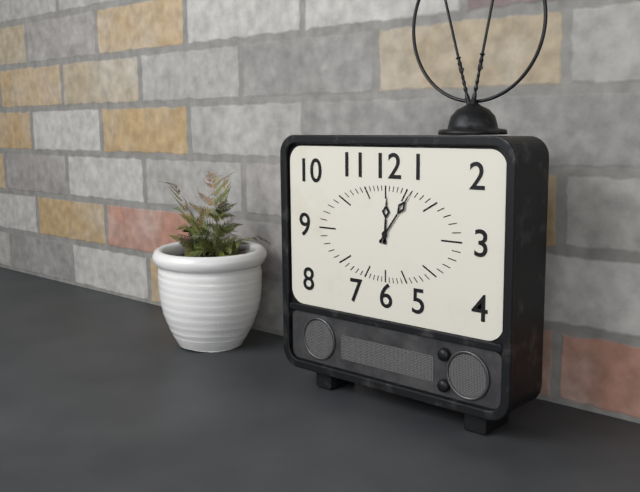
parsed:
12:06
